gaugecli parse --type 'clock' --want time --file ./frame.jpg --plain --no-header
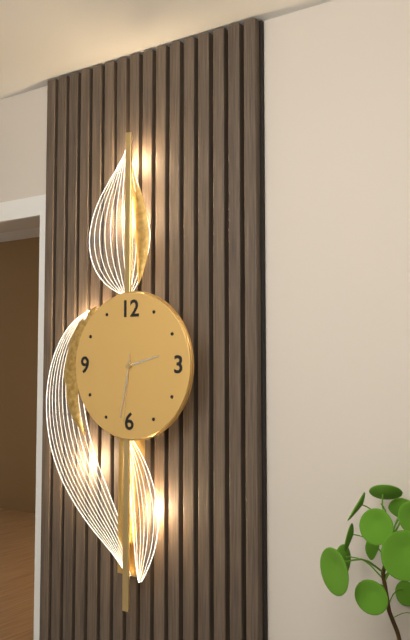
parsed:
2:32:31
